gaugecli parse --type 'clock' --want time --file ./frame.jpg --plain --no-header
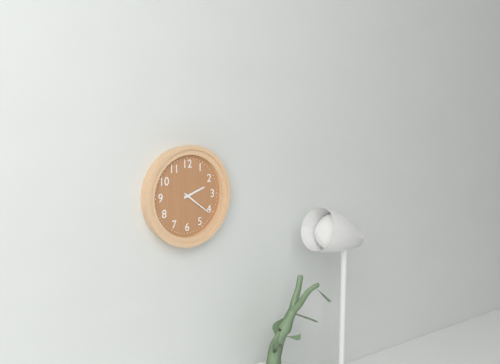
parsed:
2:21
